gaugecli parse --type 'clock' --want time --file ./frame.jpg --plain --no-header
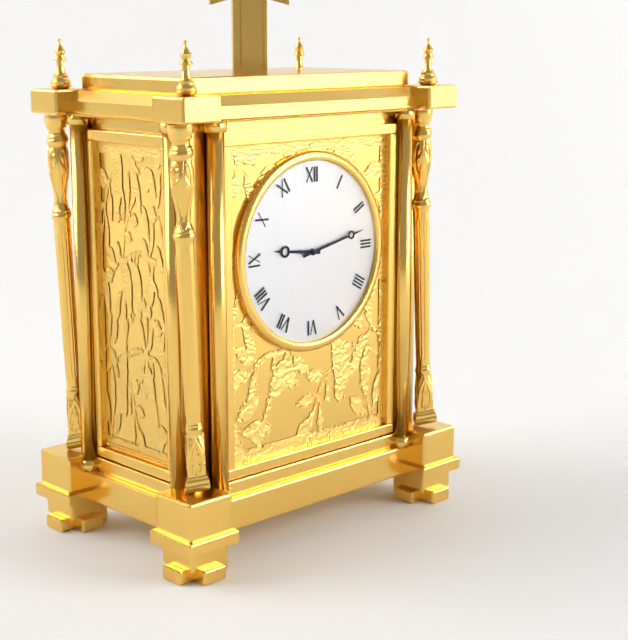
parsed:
9:13
